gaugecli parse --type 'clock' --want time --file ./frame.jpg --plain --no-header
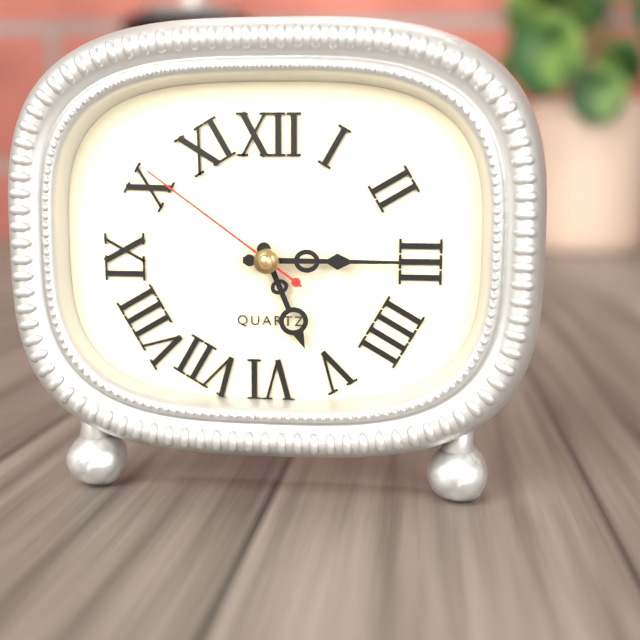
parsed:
5:15:51
